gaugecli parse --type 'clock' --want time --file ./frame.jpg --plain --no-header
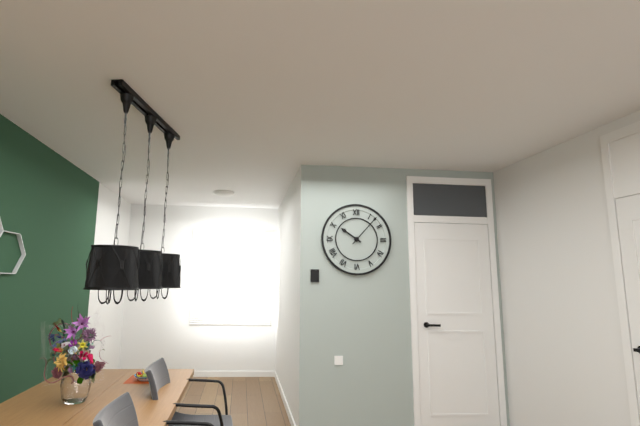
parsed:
10:07
